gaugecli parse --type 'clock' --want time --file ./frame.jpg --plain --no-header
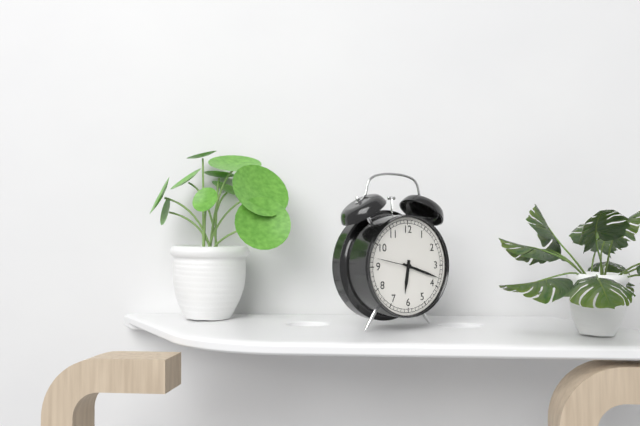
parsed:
6:18
